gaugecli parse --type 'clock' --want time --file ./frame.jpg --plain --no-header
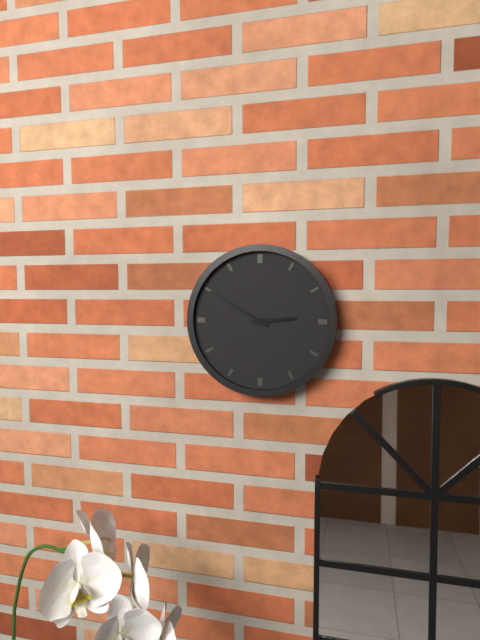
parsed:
2:50
